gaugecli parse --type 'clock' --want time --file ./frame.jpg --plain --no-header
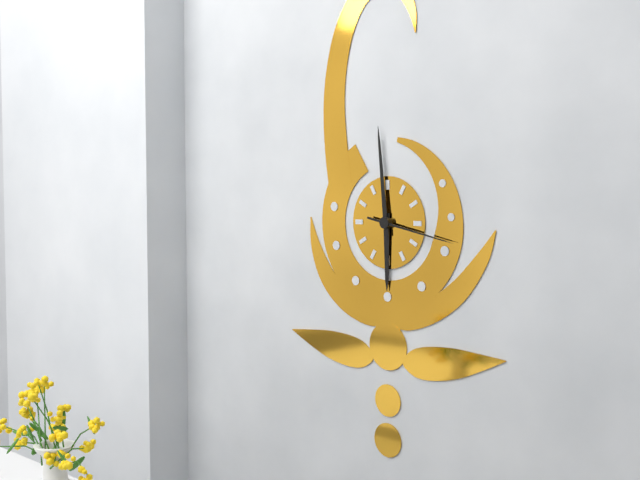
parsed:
5:59:17
